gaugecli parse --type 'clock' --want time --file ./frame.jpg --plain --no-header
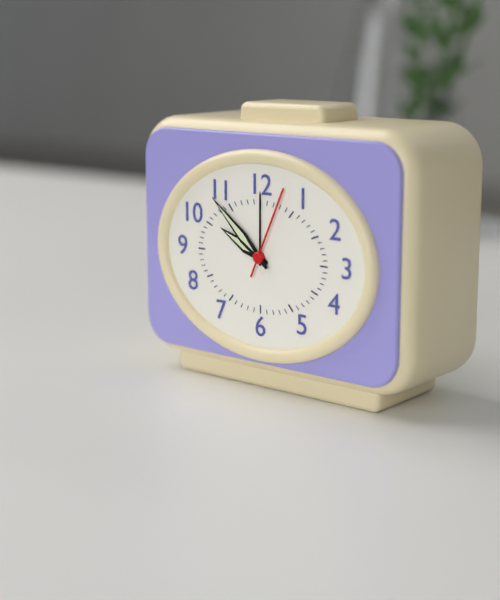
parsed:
9:52:04
